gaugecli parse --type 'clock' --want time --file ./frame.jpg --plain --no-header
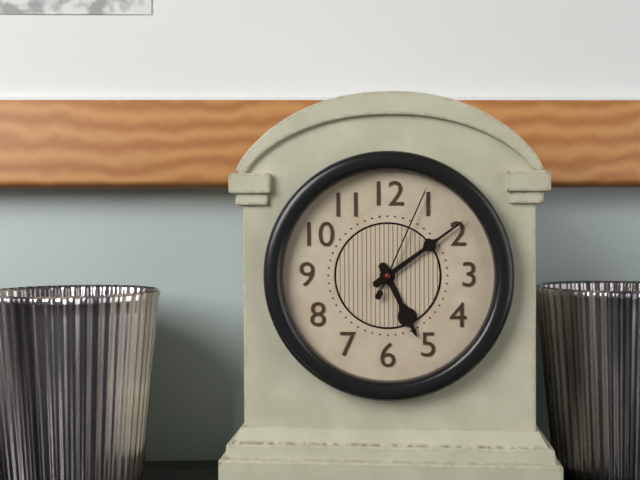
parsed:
5:09:04
